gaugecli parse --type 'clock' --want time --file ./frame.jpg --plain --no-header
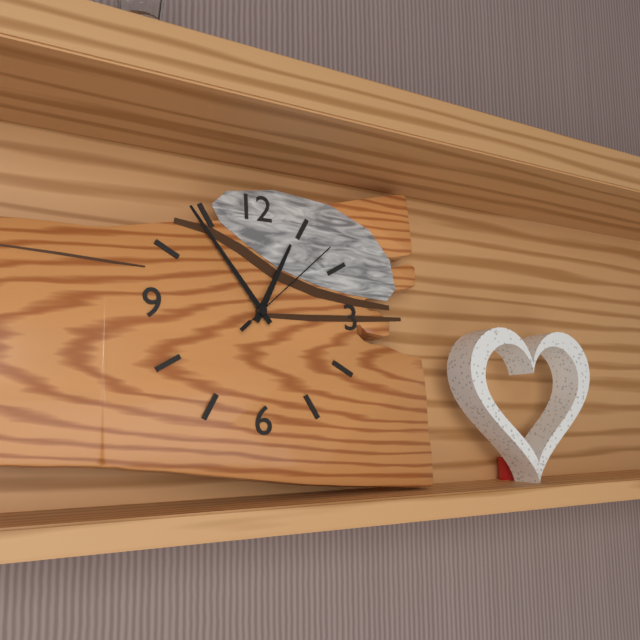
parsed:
12:54:08
